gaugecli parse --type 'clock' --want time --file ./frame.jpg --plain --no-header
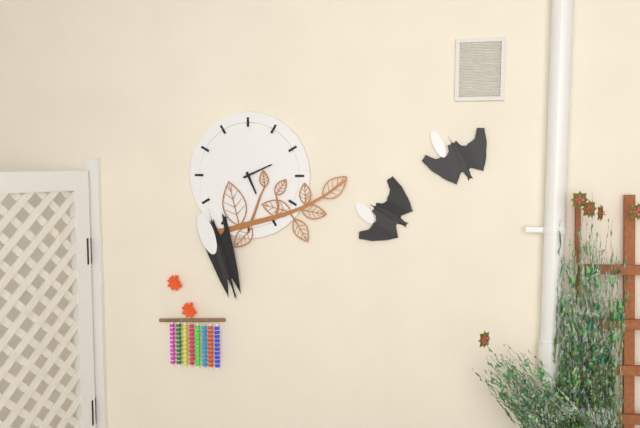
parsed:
5:11
